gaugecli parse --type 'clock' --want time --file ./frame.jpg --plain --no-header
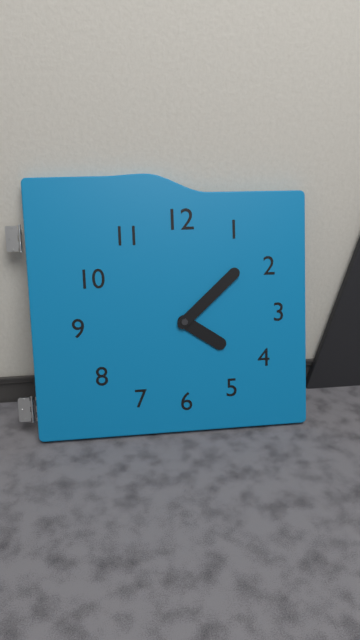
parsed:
4:08
